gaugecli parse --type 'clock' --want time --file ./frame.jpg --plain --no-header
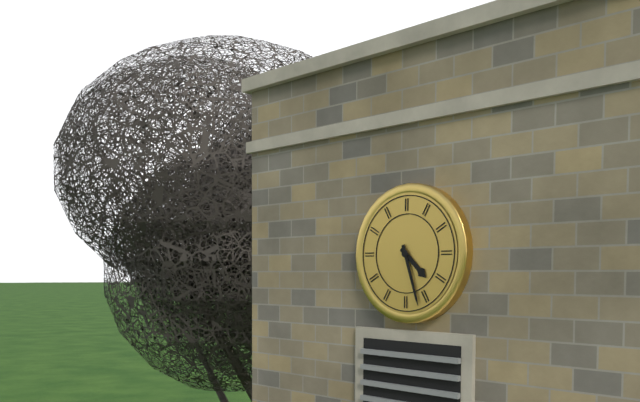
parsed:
4:27
